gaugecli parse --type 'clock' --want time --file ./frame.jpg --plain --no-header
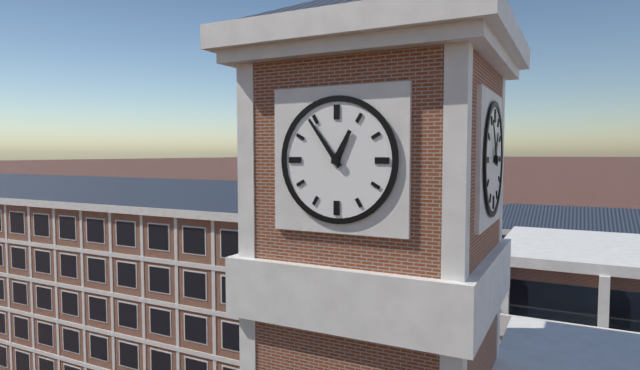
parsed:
12:54
